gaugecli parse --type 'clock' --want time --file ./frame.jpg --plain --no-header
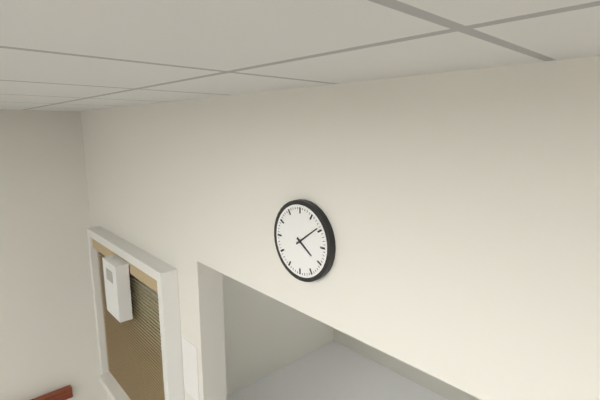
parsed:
4:09
